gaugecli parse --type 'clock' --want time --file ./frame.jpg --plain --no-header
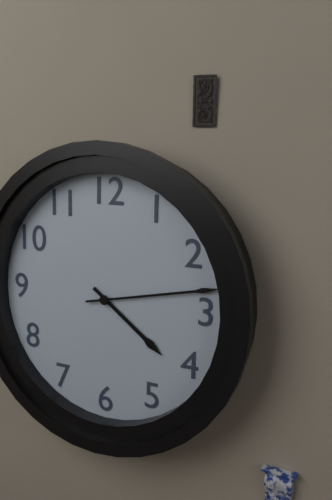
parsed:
4:13
